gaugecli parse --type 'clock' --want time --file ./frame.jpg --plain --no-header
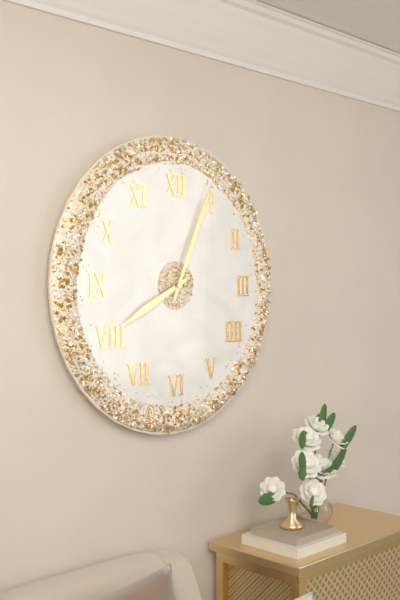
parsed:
8:04
